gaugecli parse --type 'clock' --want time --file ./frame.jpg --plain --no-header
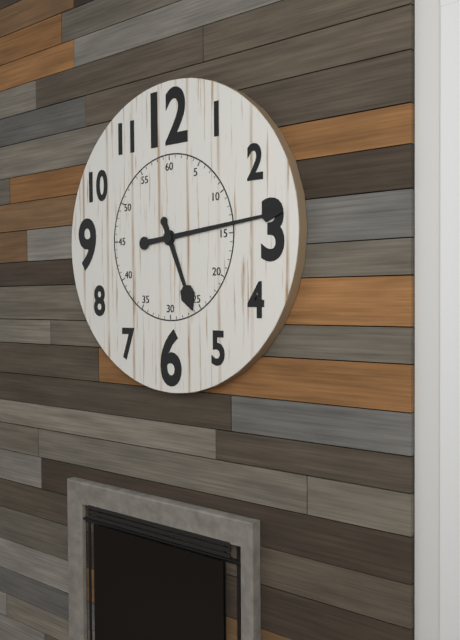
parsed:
5:14
